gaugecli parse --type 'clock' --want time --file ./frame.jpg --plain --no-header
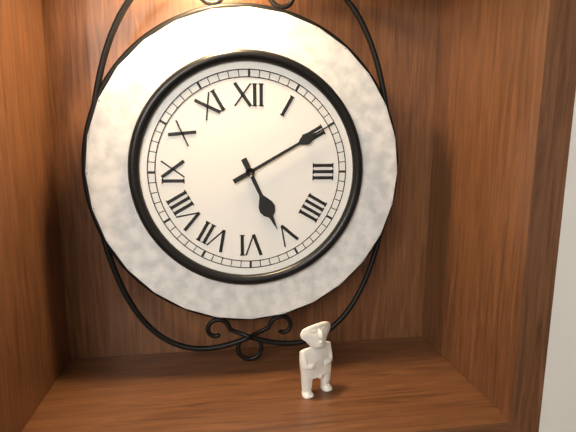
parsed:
5:10
